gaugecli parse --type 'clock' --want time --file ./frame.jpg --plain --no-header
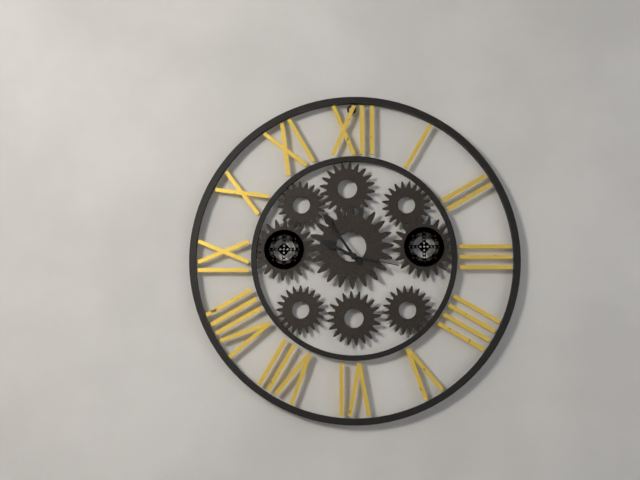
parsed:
9:54:17
